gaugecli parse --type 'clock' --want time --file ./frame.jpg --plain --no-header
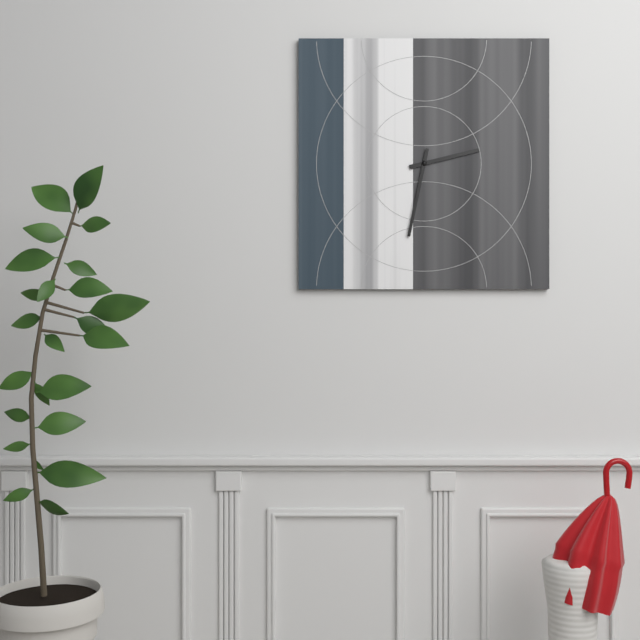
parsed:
2:32
